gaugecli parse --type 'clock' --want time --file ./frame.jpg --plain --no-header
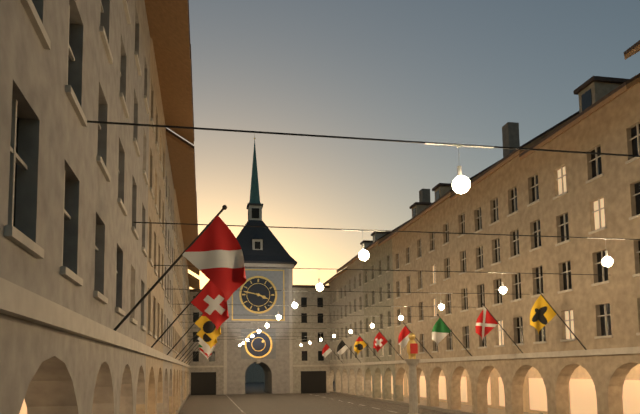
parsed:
3:47
